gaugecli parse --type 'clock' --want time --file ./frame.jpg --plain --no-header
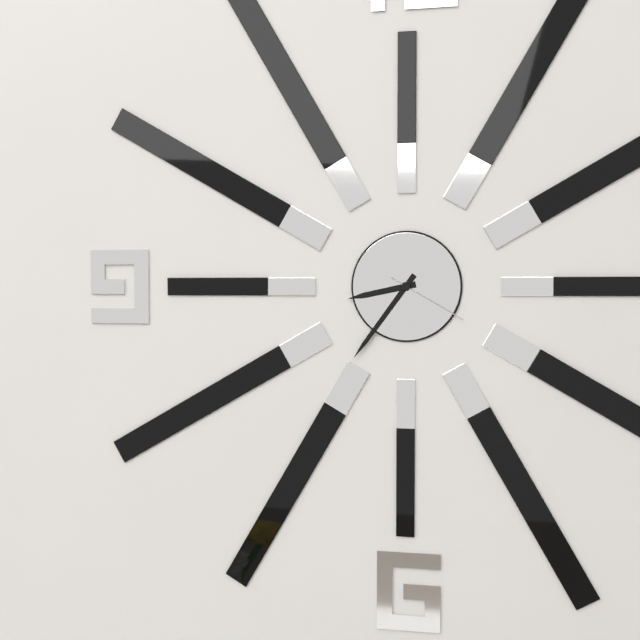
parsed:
8:36:20
